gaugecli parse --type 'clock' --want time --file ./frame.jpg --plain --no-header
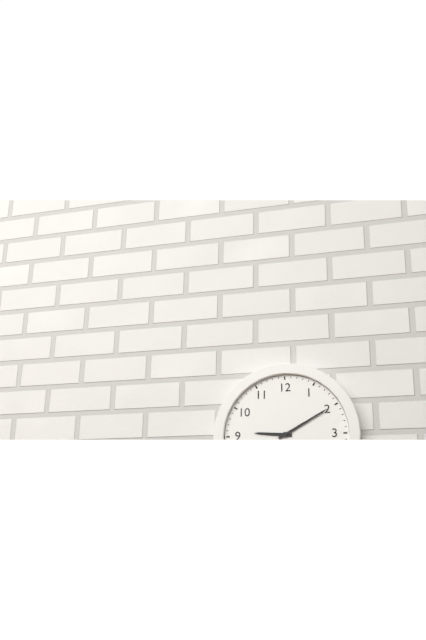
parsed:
9:10
